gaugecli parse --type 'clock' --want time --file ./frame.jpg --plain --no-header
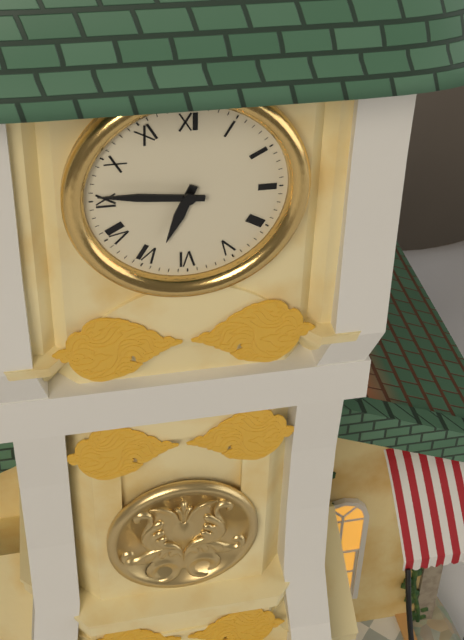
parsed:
6:46
